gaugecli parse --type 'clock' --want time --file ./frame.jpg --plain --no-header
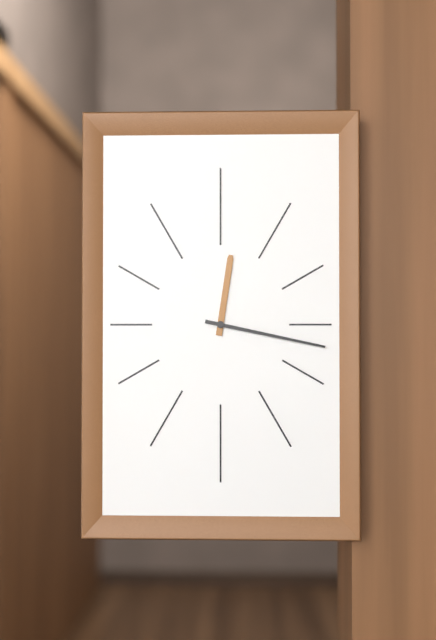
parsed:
12:17
